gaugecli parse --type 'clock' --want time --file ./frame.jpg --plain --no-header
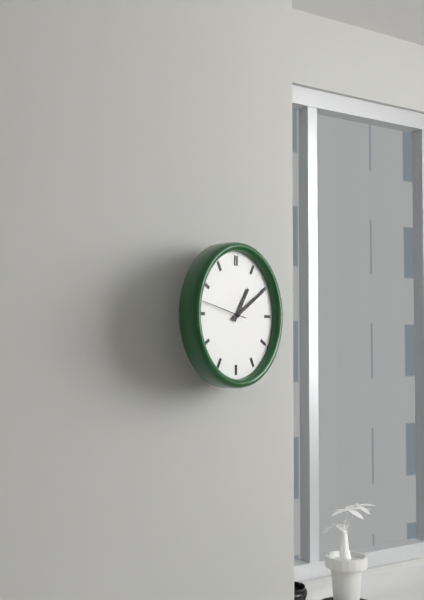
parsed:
1:10
